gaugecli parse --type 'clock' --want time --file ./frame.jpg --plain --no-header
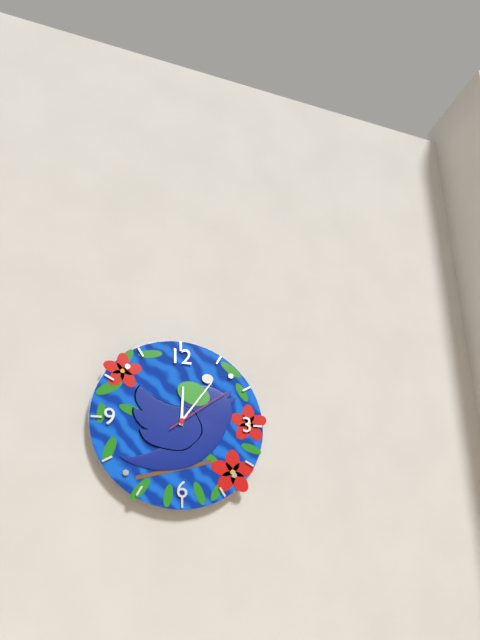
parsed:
12:06:09
